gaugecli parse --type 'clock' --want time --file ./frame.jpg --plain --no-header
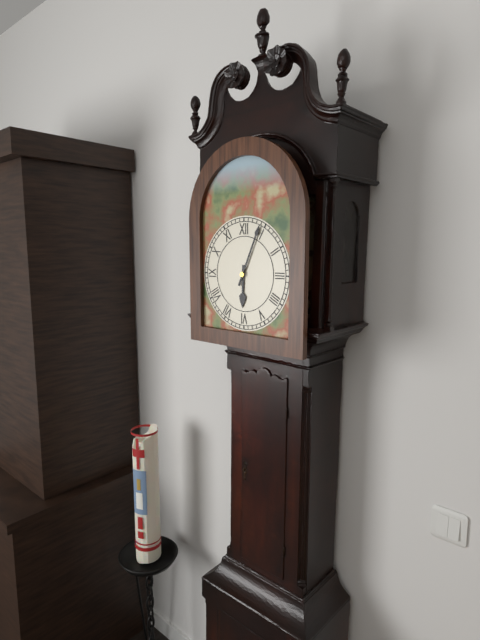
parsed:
6:04
